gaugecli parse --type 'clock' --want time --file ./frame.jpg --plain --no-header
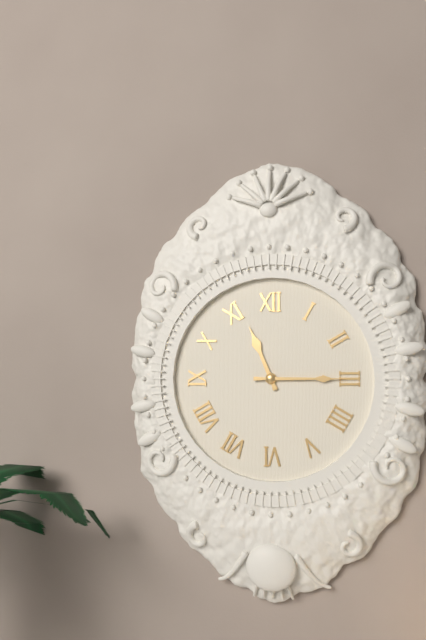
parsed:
11:15
